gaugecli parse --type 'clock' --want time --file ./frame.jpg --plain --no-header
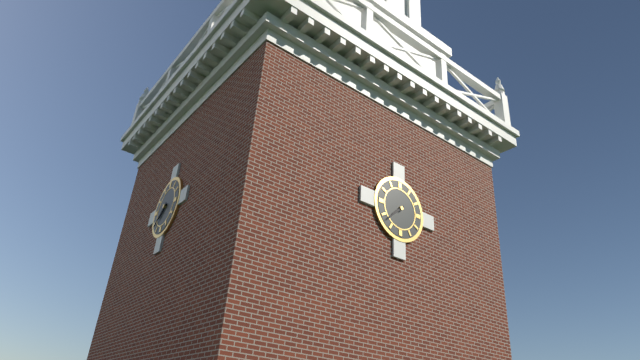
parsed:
7:38
